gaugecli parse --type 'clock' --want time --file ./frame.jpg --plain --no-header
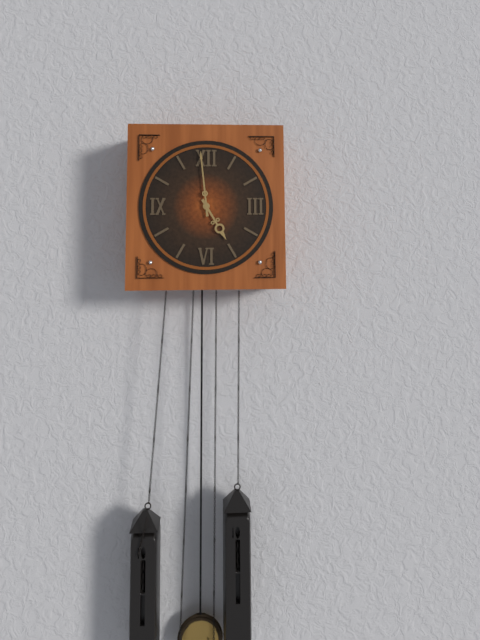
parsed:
4:59
